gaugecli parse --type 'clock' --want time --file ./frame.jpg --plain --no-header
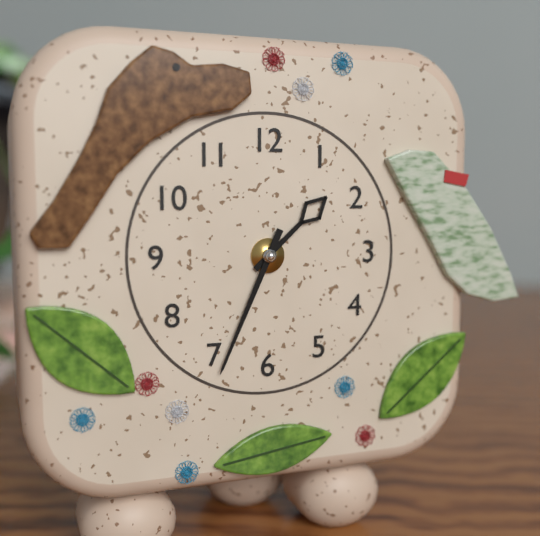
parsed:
1:34
